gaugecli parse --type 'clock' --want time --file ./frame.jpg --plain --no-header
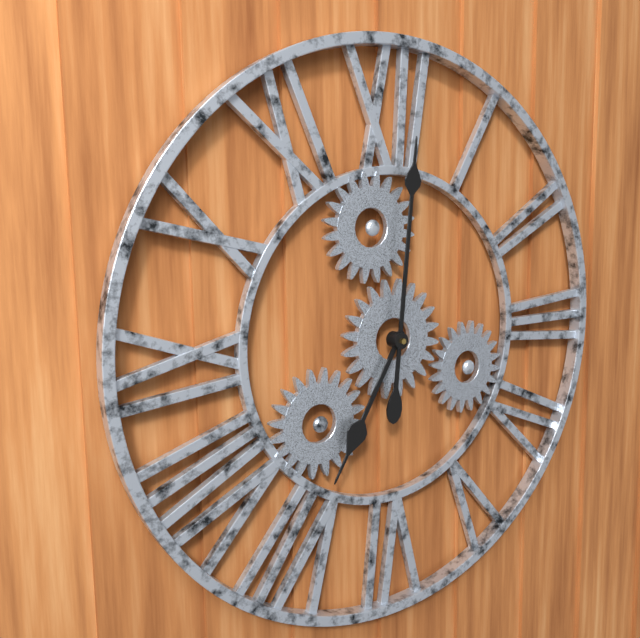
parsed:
7:01
